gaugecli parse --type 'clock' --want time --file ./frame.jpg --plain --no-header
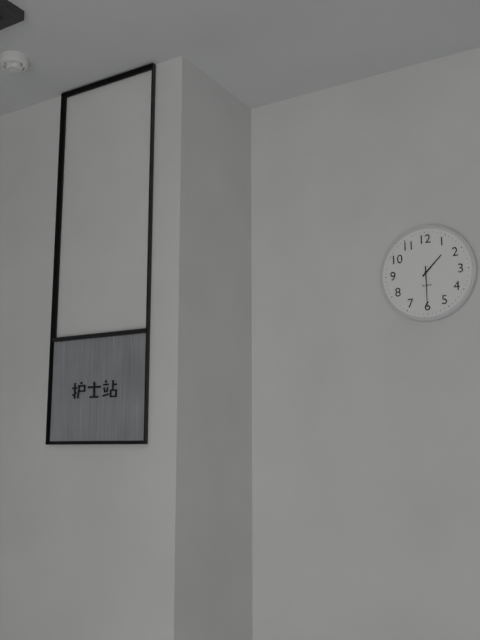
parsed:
1:30
